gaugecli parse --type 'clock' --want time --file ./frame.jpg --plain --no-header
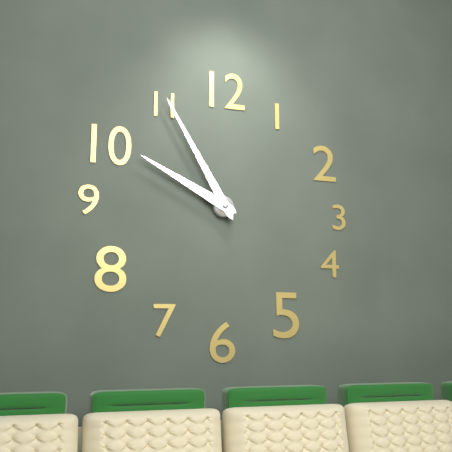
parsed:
9:55
